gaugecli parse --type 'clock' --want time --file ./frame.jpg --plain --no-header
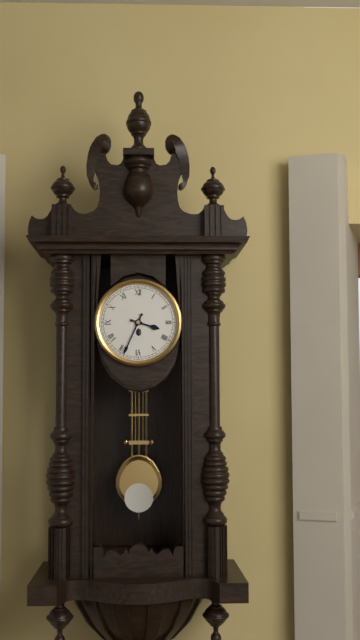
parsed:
3:34
